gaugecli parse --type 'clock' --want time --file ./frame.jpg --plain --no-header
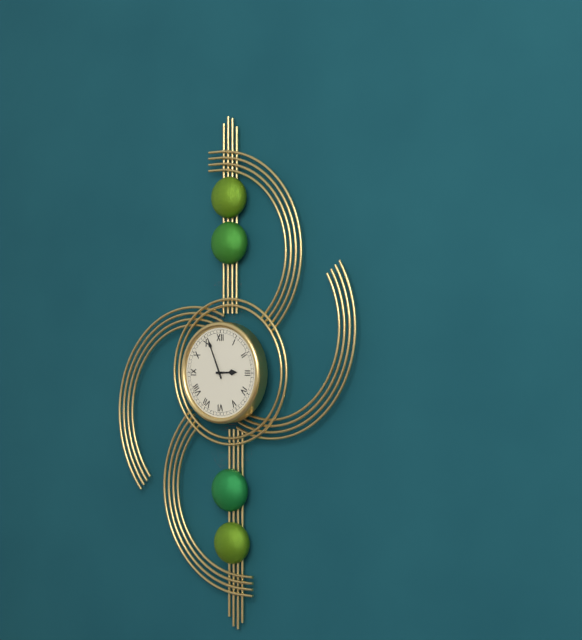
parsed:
2:56
